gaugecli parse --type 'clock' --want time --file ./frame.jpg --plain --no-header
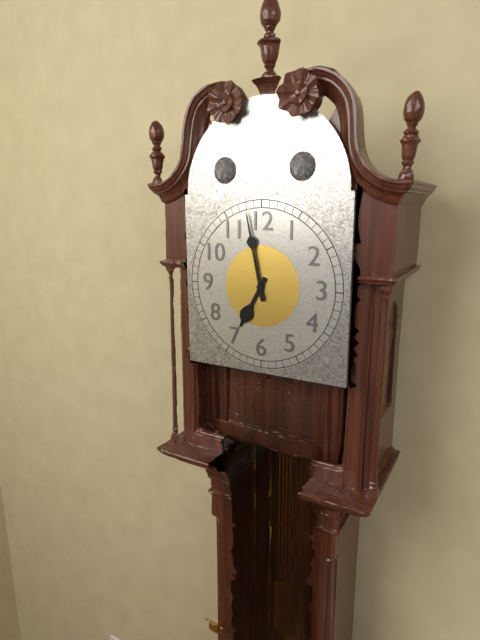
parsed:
6:58
